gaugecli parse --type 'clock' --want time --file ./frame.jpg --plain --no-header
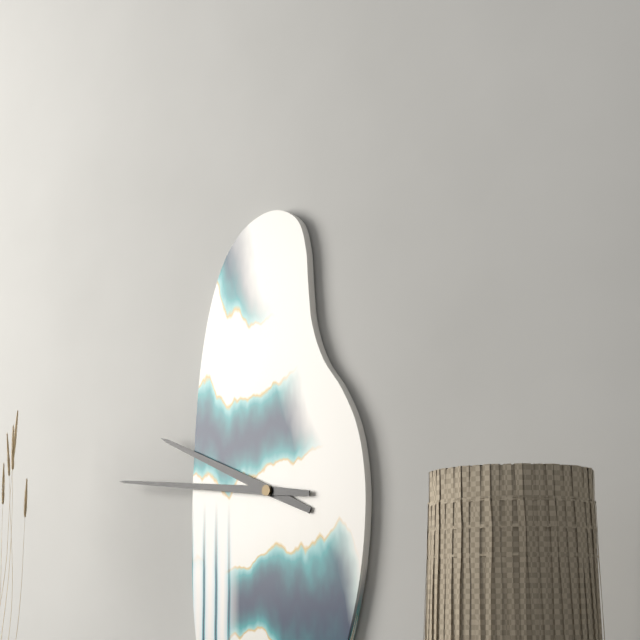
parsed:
9:46
